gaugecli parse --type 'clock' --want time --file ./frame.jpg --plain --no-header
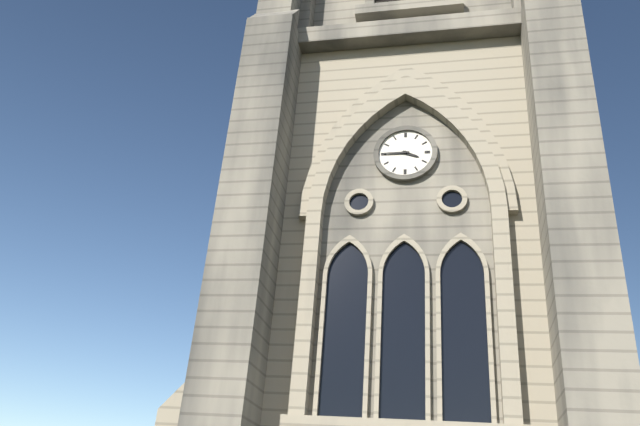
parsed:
3:45
